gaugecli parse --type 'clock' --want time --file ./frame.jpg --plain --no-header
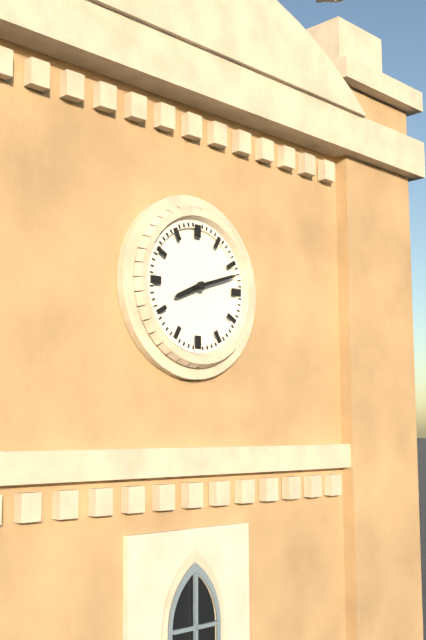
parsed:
8:12
